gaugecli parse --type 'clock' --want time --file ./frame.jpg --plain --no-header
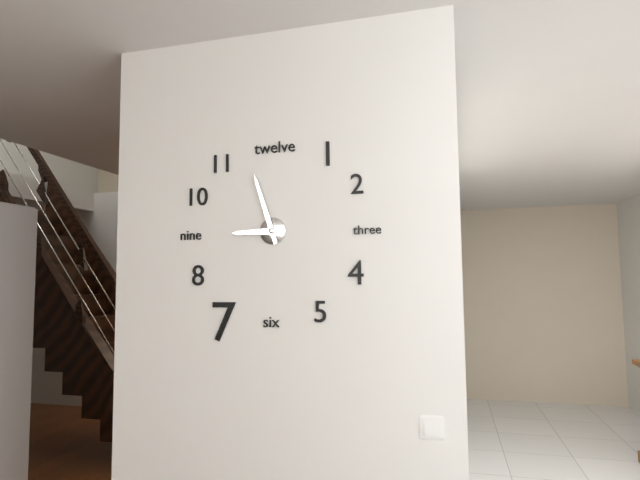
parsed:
8:57
